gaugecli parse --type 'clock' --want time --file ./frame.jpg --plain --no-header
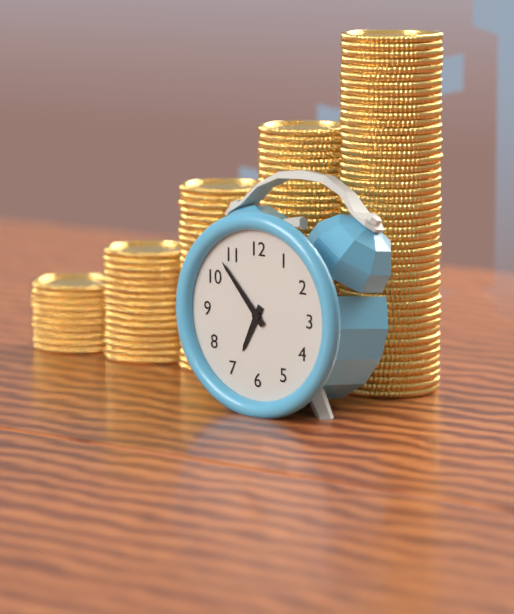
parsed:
6:53
